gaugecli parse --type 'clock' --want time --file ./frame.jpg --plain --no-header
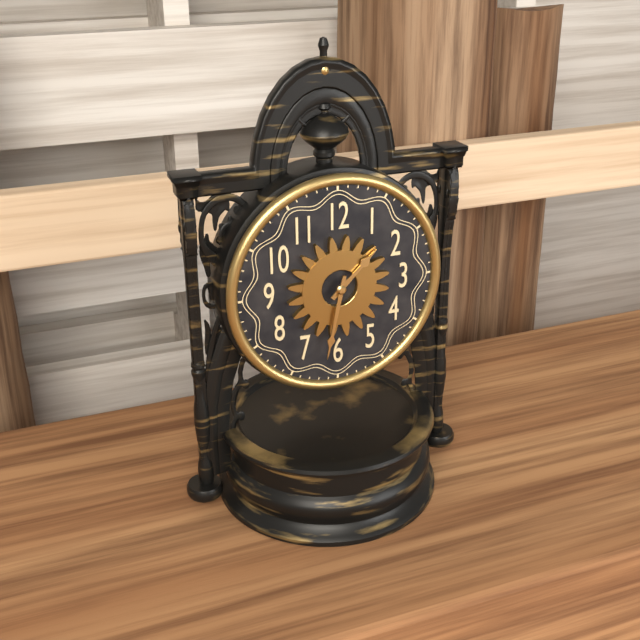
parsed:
1:32
